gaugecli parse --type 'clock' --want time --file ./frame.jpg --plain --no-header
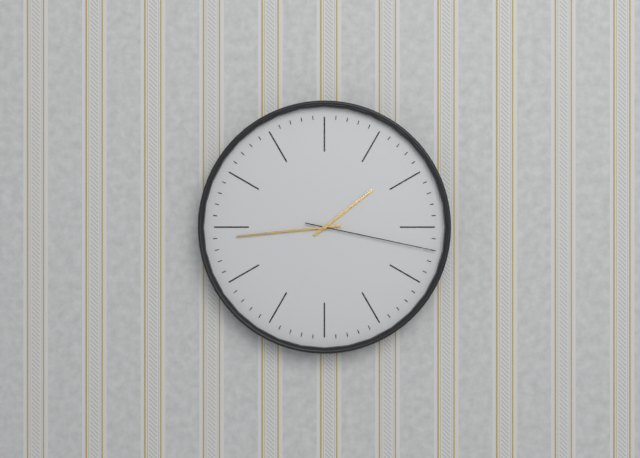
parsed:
1:44:17
